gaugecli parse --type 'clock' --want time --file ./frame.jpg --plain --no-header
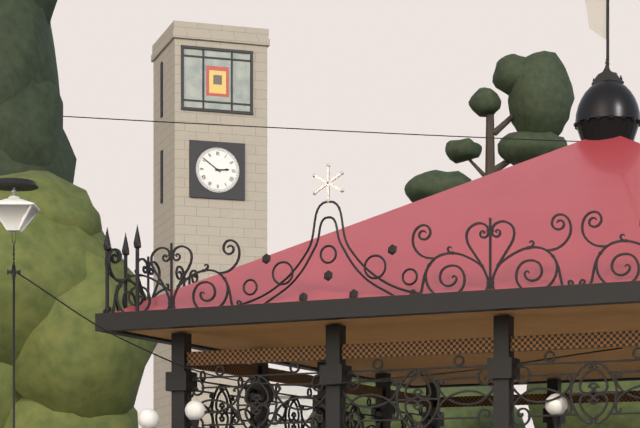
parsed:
2:51
